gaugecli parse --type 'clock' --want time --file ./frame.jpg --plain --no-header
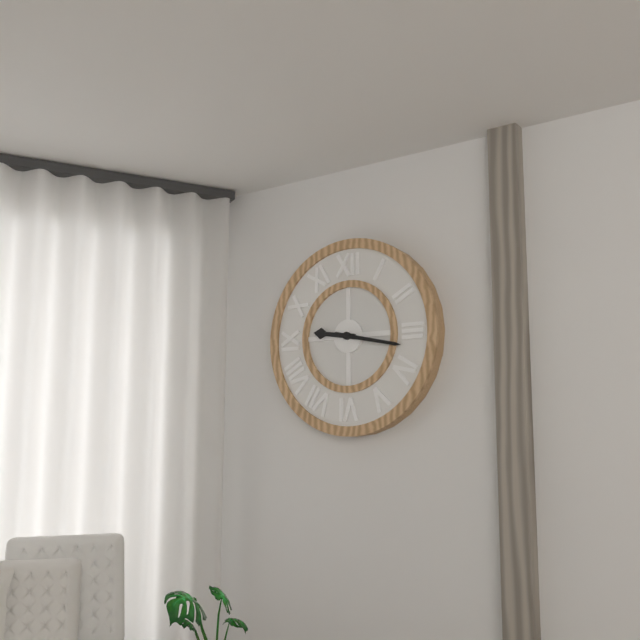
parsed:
9:17
